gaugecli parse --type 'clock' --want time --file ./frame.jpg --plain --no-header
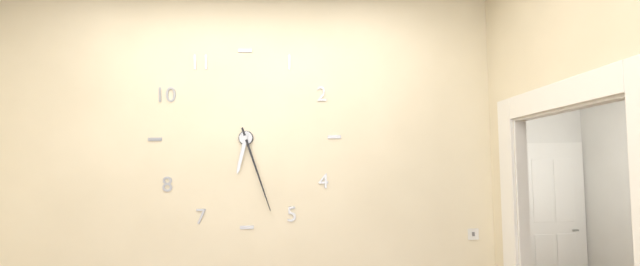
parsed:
6:27
